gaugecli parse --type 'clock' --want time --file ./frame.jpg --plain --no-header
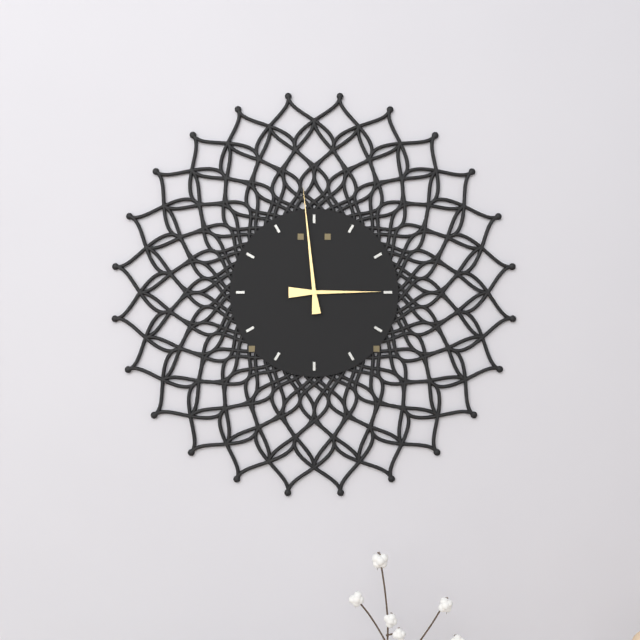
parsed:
2:59
